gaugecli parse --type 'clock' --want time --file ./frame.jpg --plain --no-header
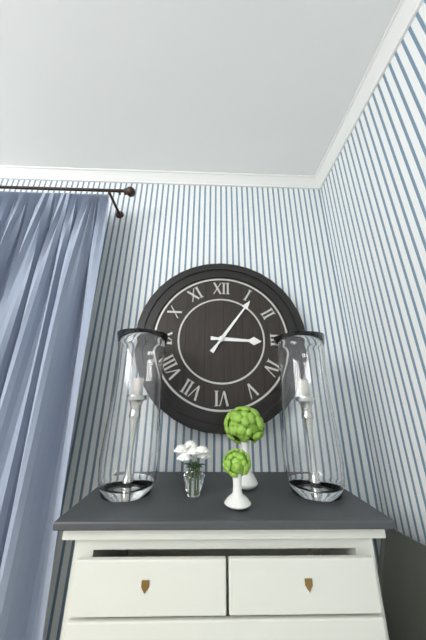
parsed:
3:06
